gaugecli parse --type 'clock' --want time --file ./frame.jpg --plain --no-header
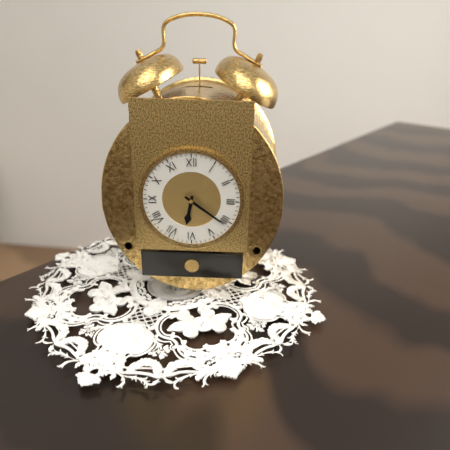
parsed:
6:21
